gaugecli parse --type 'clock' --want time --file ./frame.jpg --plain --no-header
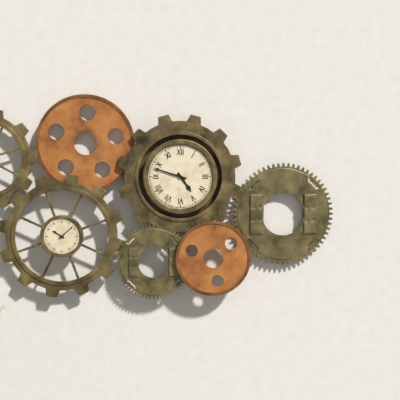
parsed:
4:48
